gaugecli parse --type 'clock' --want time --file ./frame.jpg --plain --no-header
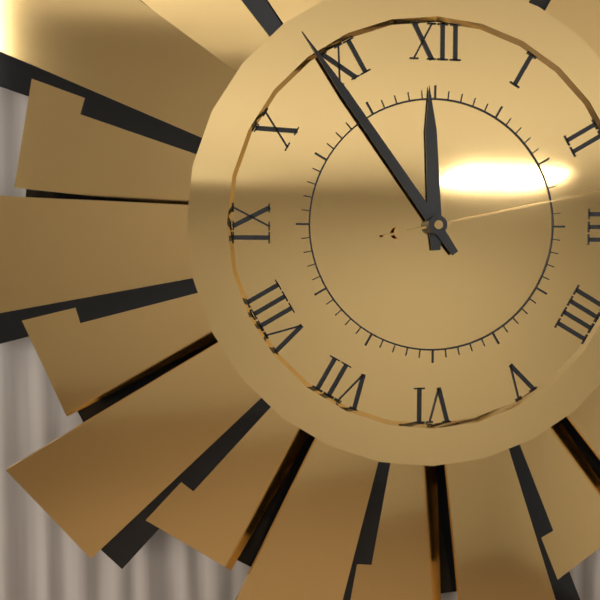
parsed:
11:54
